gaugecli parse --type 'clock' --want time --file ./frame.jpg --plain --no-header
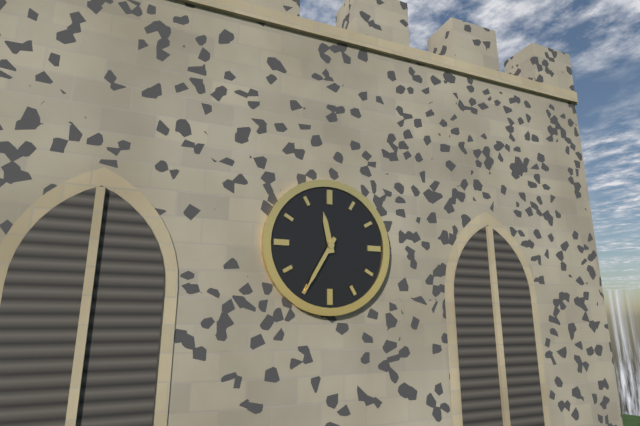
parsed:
11:35
